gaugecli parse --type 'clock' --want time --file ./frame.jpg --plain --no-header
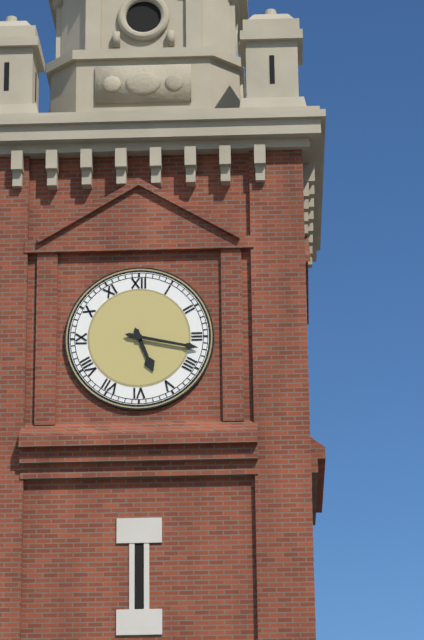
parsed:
5:17
